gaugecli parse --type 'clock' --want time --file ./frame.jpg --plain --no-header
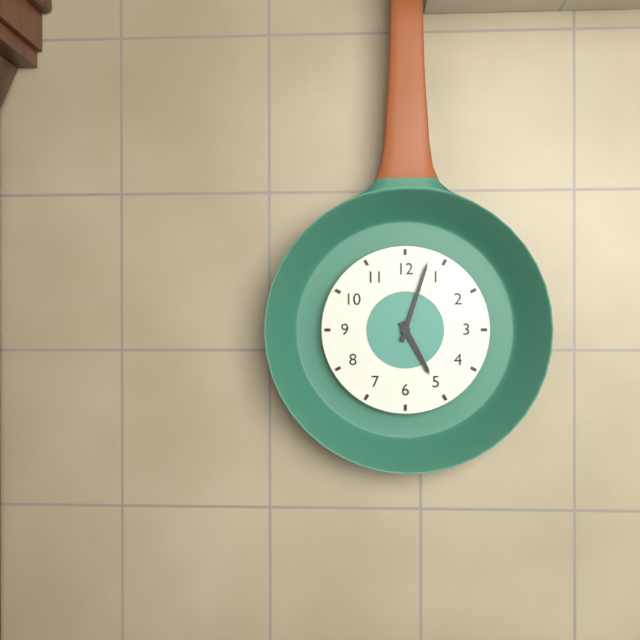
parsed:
5:03
